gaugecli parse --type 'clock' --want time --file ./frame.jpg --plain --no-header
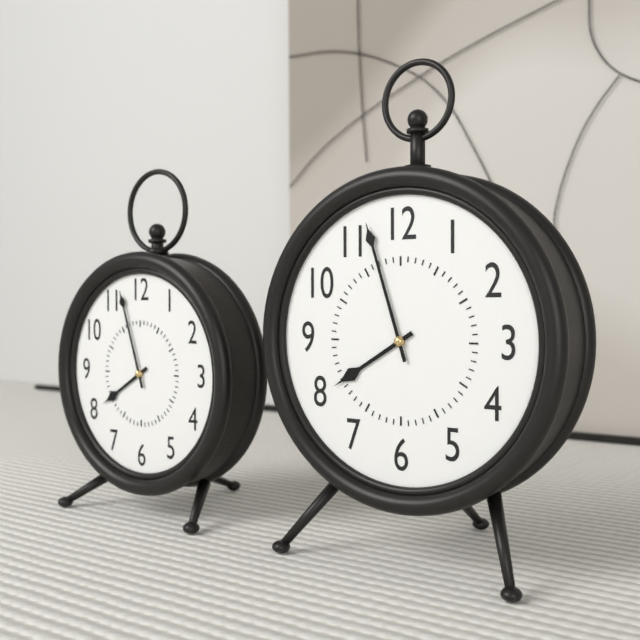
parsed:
7:57
